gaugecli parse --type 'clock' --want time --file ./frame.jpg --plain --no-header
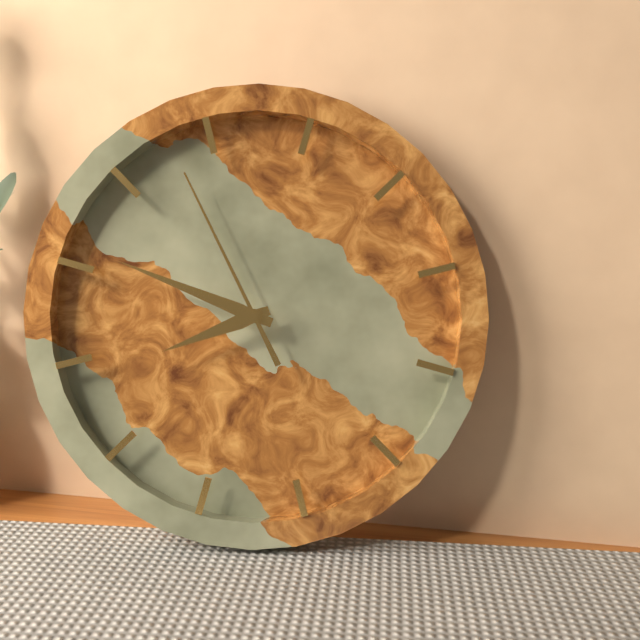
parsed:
7:46:53
